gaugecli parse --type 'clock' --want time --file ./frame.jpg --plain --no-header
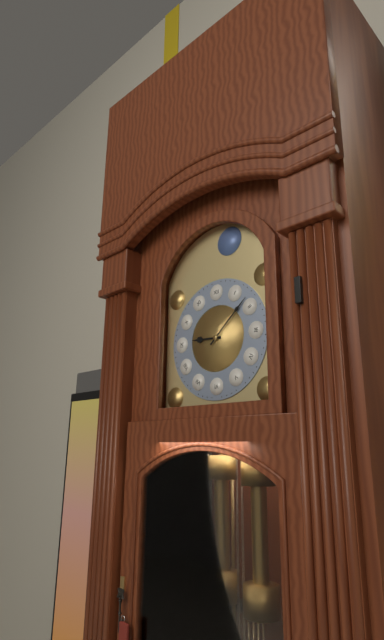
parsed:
9:08
